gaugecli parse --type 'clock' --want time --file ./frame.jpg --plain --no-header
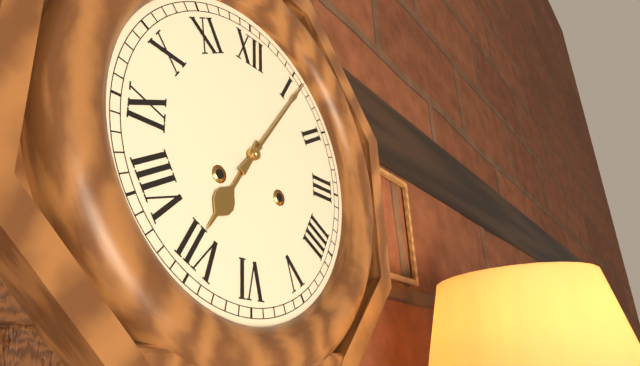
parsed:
7:06
